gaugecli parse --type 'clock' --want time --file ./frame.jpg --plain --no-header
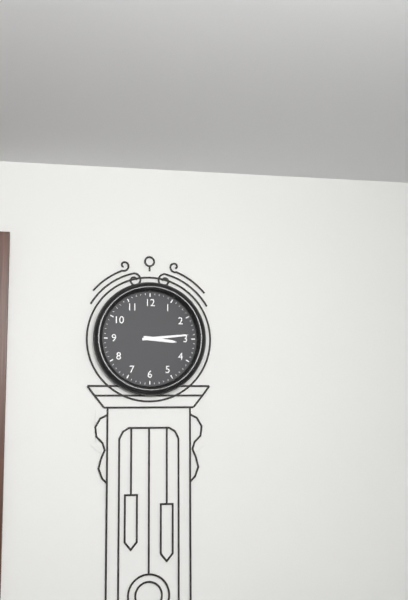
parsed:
3:14
